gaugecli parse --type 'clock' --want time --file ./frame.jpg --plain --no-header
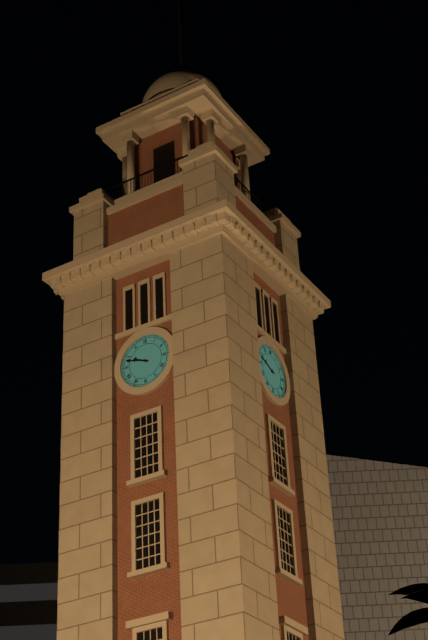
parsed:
9:48
